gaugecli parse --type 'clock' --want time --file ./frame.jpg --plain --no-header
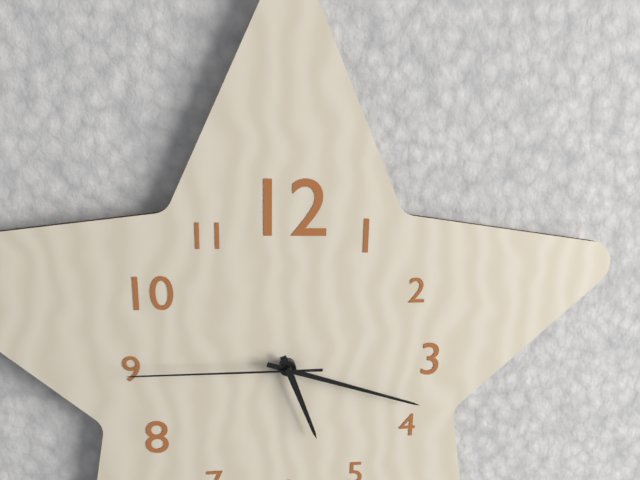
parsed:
5:18:45
